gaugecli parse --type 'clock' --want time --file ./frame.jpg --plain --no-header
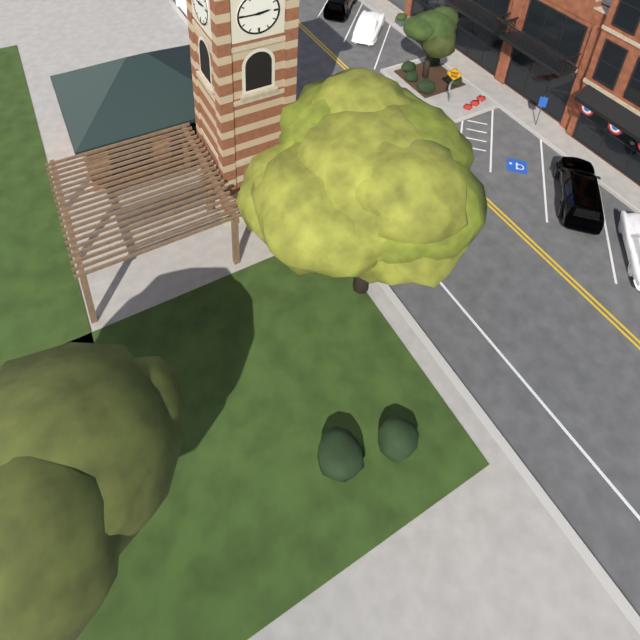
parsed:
2:45
